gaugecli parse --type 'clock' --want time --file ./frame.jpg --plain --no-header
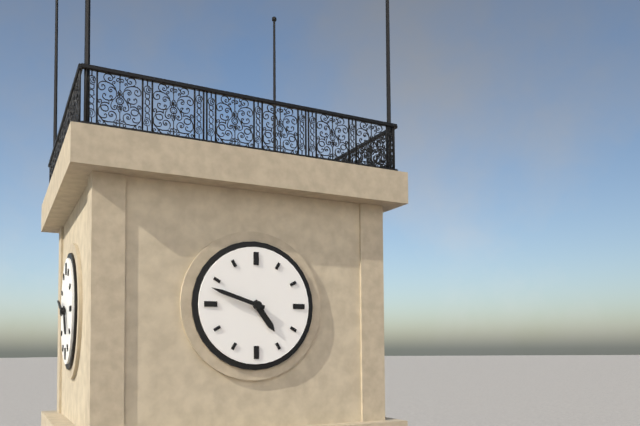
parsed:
4:48
